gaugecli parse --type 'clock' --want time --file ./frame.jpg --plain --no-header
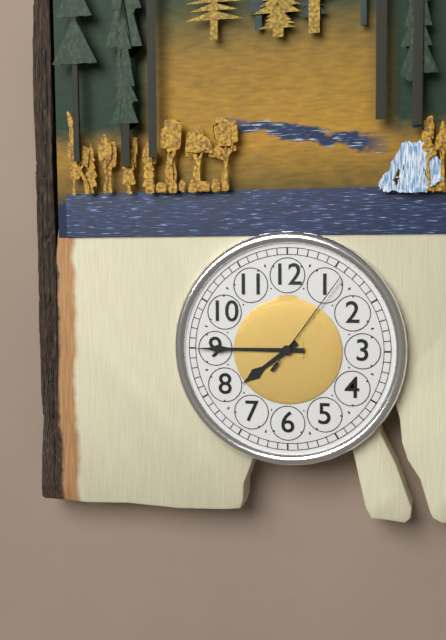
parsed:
7:45:06
